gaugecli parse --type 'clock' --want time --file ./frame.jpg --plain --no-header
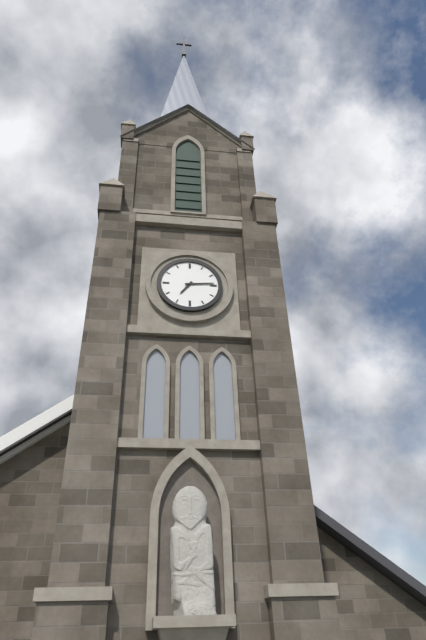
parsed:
7:14
